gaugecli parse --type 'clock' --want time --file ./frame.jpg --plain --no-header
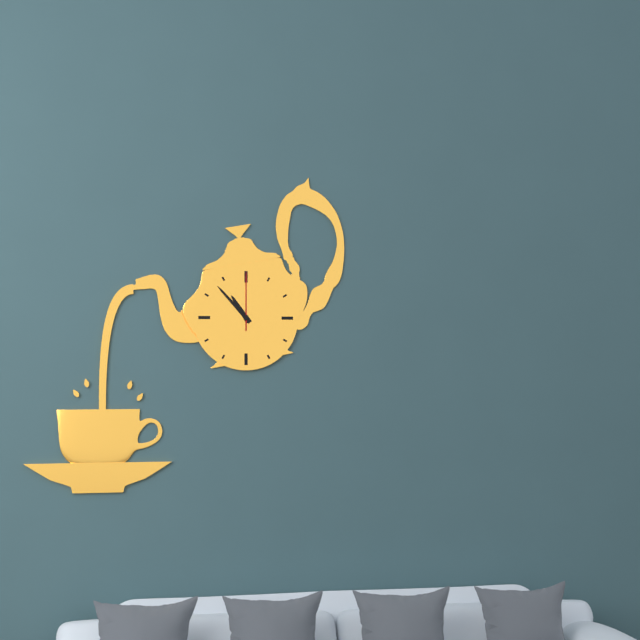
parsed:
10:53:00
